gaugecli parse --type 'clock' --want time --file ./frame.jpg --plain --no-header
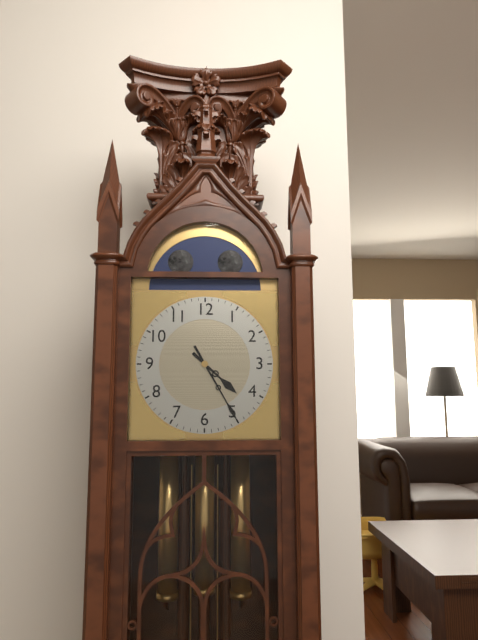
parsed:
4:25
